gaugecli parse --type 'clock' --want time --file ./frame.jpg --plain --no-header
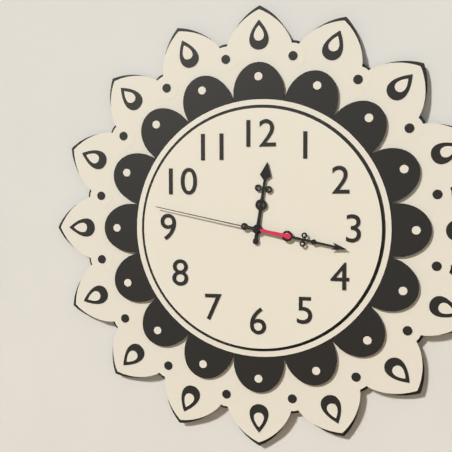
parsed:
12:17:47
